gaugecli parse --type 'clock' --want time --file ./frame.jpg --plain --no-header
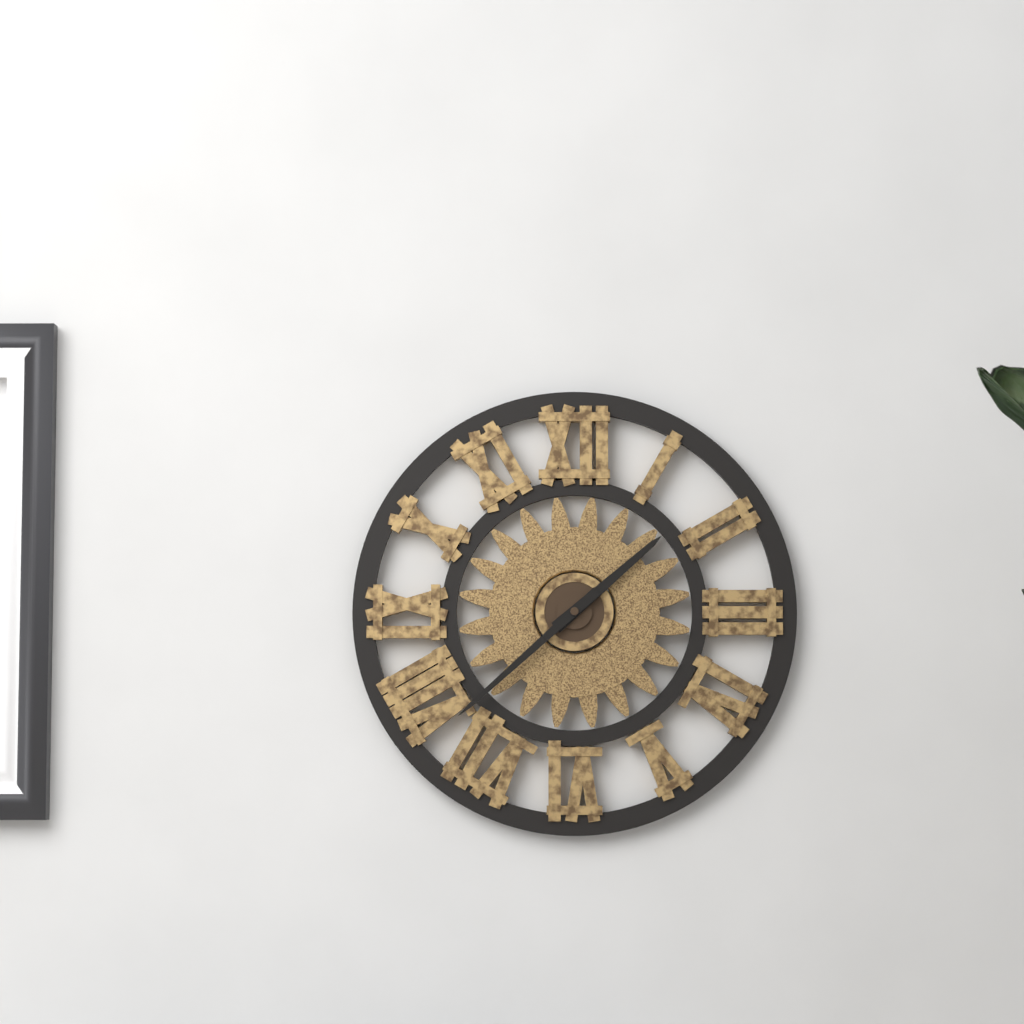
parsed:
1:38
